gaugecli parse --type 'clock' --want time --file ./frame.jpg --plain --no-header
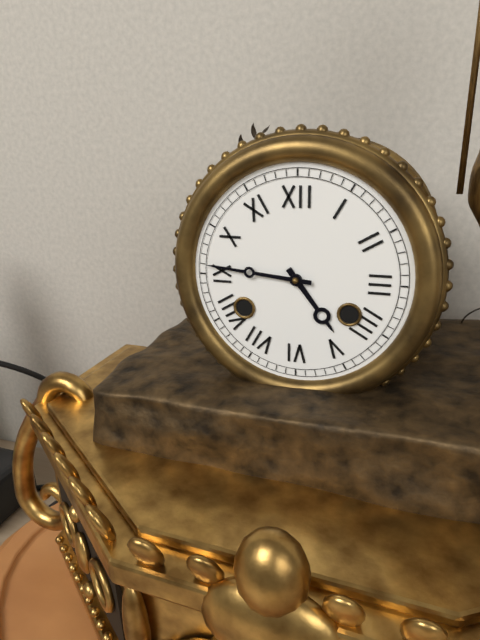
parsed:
4:46
